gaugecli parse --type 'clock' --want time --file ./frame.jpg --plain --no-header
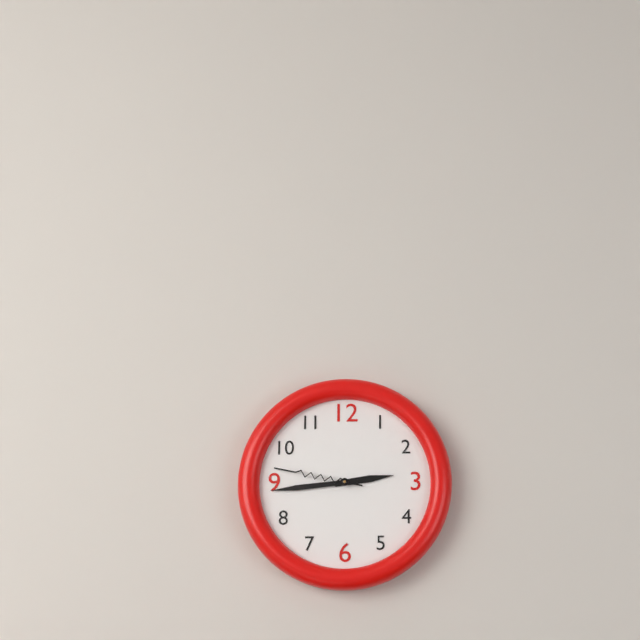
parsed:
2:44:47
